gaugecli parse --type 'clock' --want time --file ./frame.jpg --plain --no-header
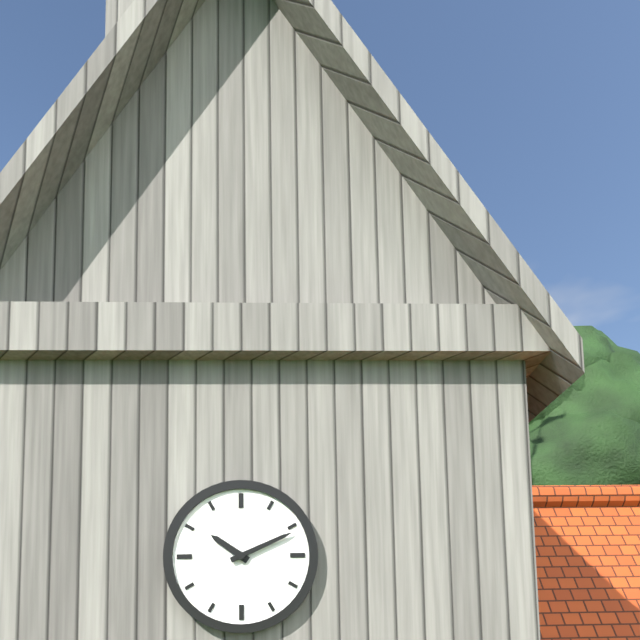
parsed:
10:11
